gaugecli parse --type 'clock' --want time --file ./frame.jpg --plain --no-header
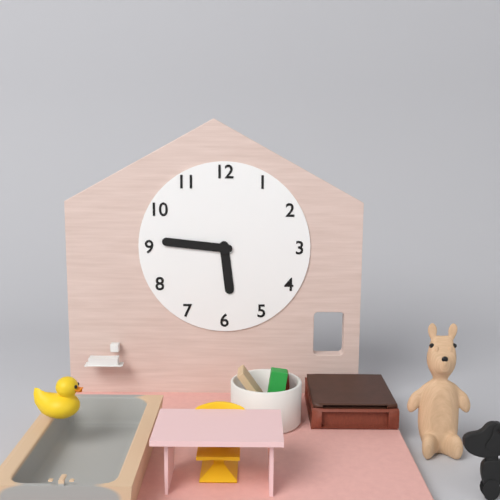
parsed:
5:46
